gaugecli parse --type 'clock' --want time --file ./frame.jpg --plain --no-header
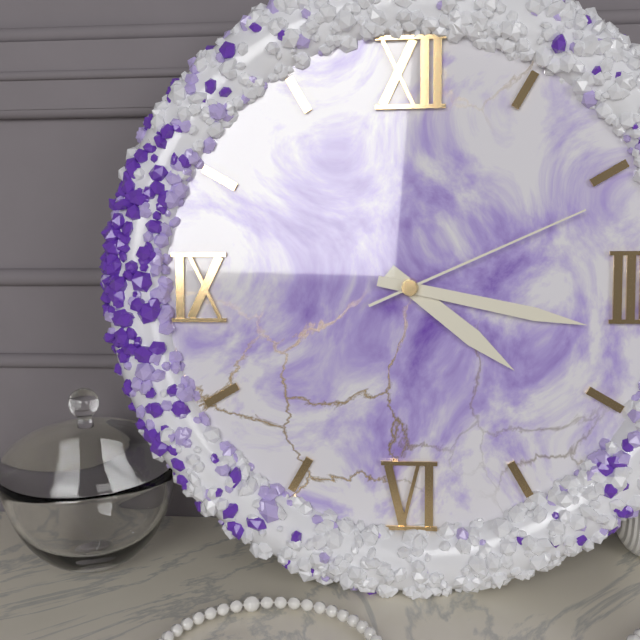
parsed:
4:17:11
